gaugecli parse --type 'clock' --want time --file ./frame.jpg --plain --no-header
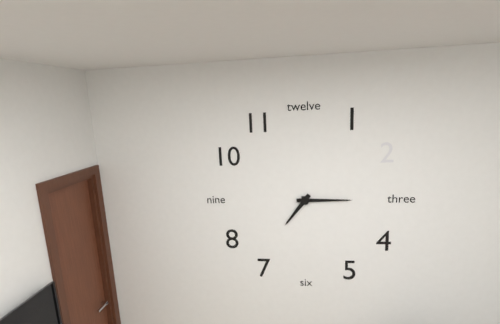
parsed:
7:15
